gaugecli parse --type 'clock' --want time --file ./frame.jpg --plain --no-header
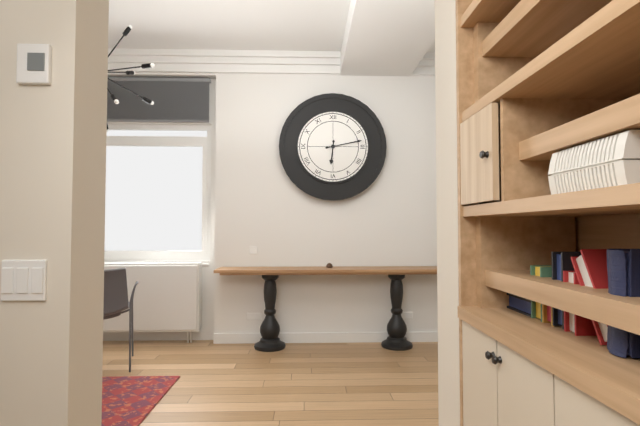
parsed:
6:13
